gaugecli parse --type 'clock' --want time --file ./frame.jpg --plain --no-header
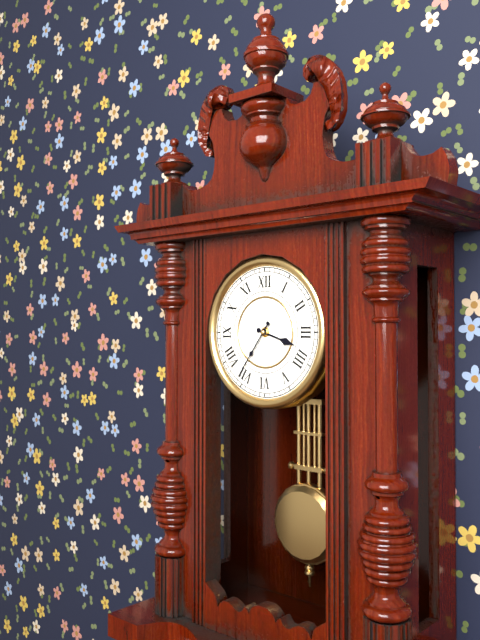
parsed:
3:36
